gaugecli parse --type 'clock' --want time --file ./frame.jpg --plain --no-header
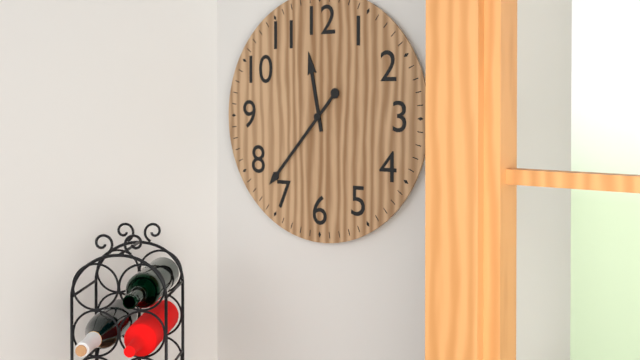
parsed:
11:37
